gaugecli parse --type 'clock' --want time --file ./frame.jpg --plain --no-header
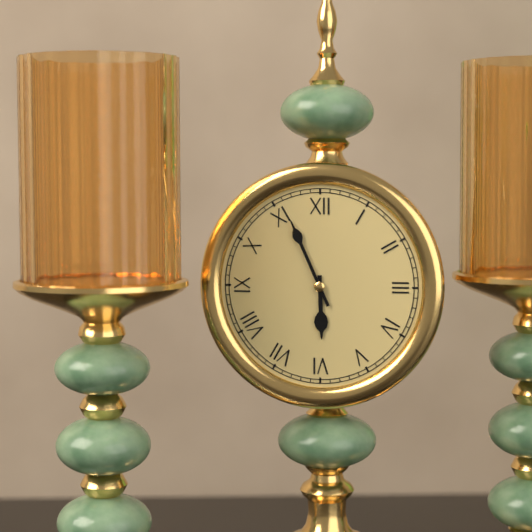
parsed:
5:56
